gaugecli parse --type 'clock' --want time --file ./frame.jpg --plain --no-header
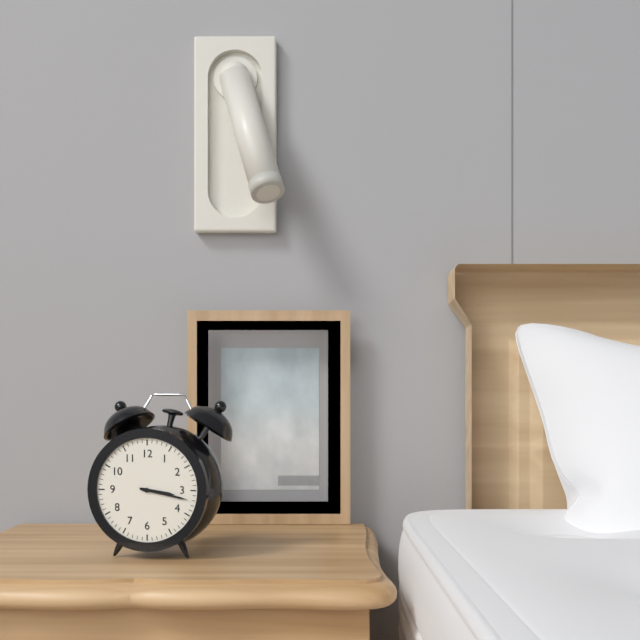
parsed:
3:17
